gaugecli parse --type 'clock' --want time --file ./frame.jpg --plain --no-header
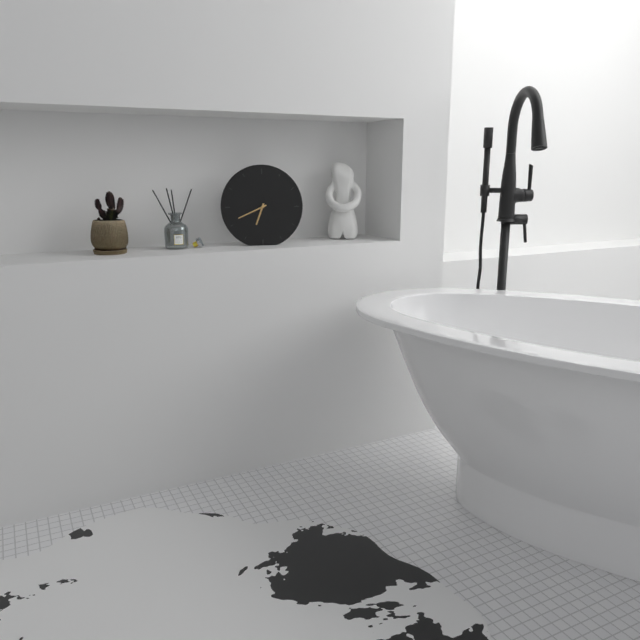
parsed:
6:41
